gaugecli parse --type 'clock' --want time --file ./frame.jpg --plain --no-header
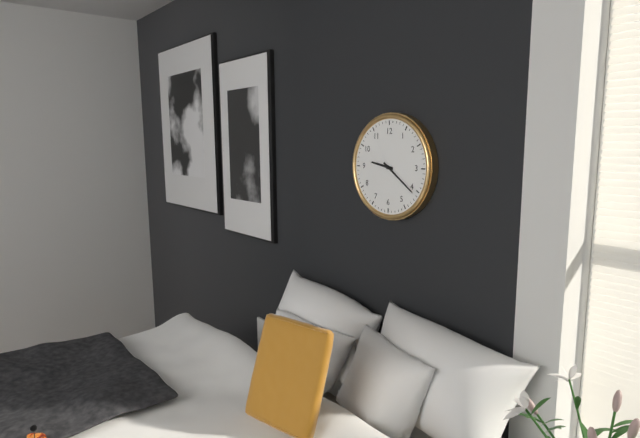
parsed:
9:21
